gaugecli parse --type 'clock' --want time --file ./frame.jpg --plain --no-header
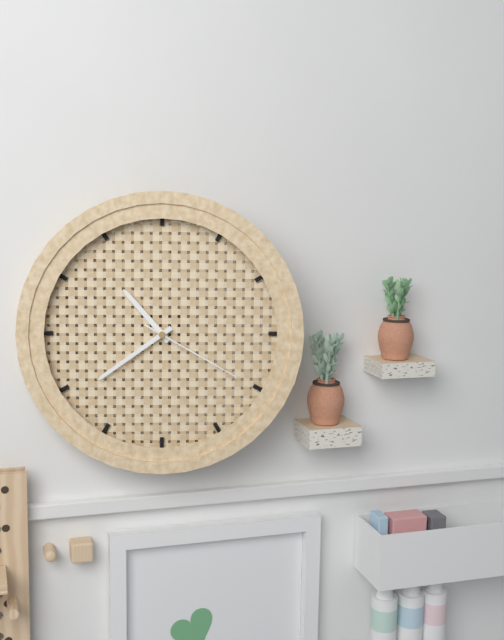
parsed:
10:39:20
